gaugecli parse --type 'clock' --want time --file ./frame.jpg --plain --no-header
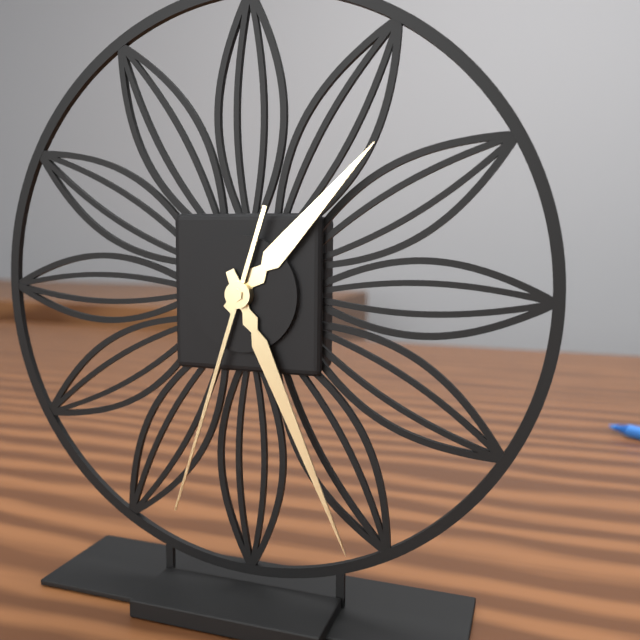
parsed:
1:26:33
